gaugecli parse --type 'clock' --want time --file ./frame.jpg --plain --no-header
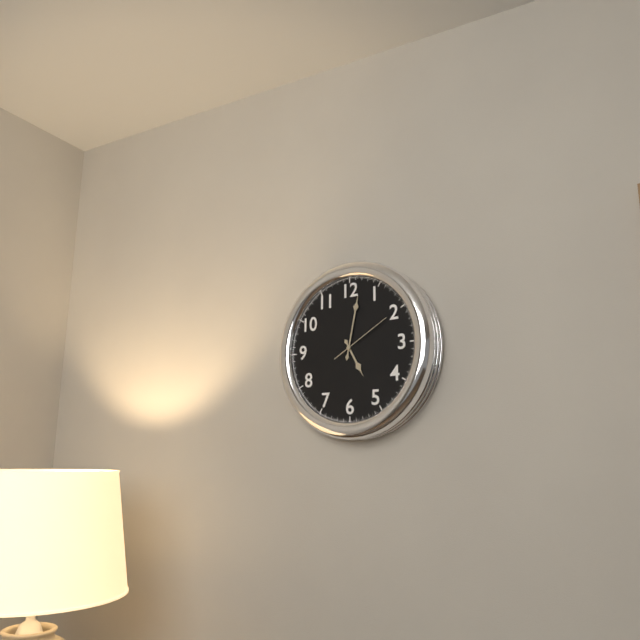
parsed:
5:02:10
